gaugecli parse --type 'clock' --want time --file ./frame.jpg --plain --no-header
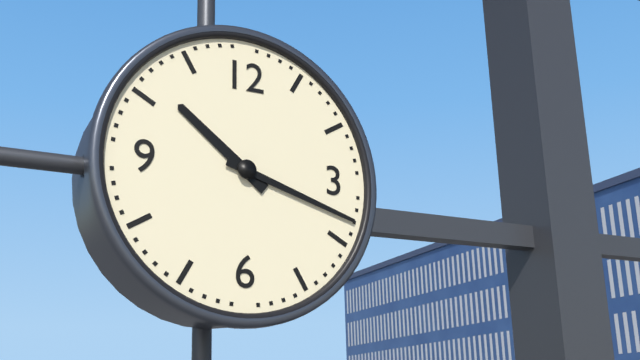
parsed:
10:18
